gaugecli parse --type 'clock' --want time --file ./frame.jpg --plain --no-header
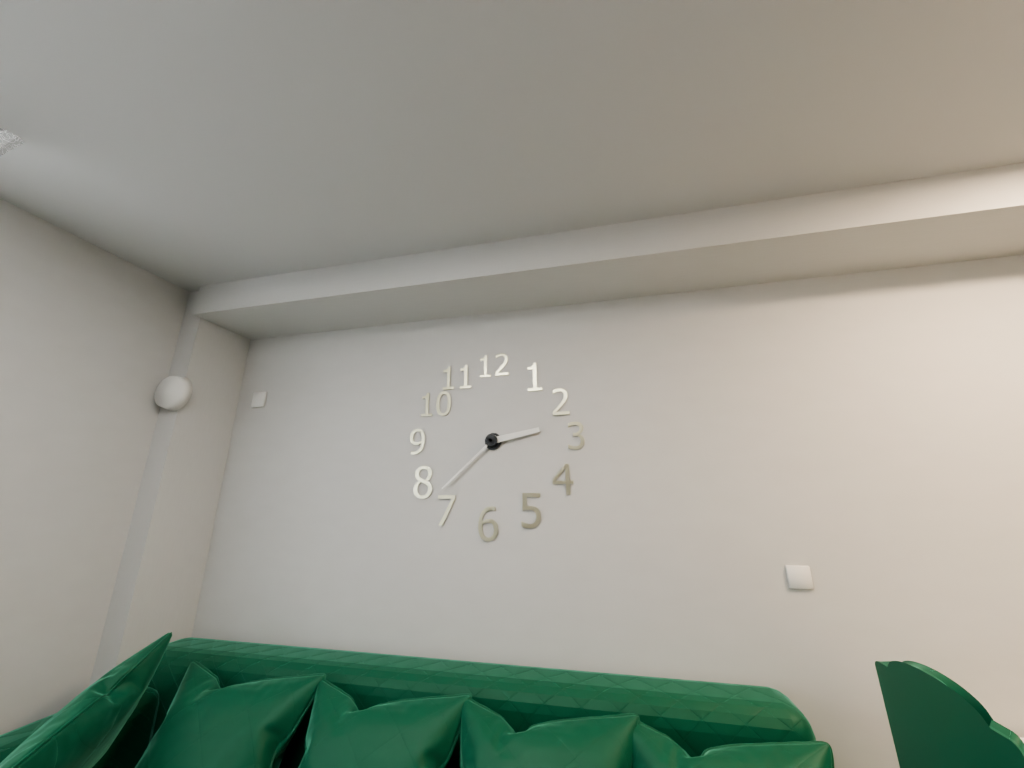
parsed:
2:38
